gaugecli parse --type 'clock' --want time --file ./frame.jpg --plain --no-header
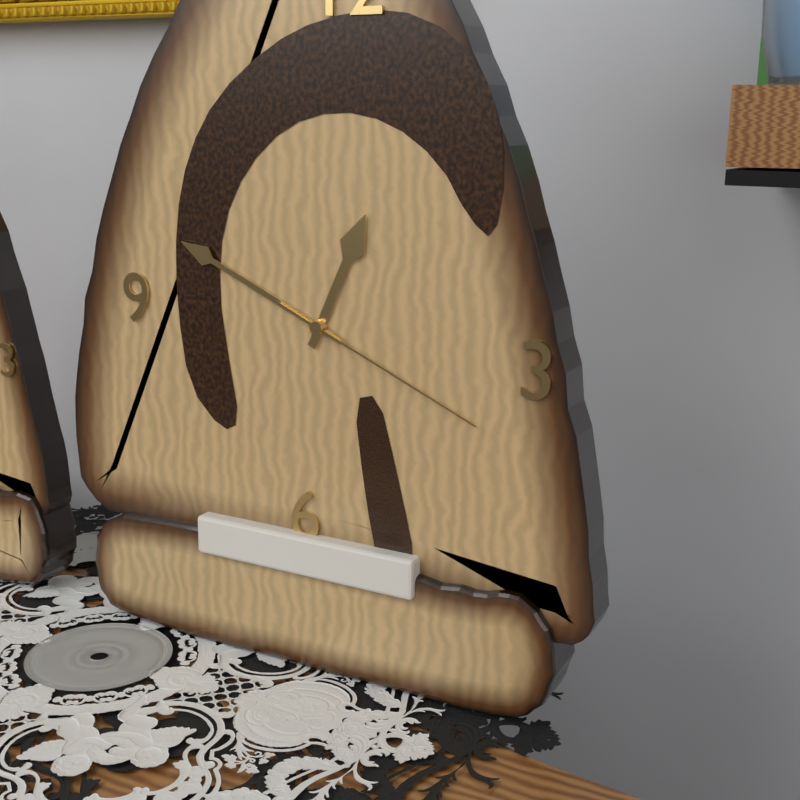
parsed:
12:49:19
